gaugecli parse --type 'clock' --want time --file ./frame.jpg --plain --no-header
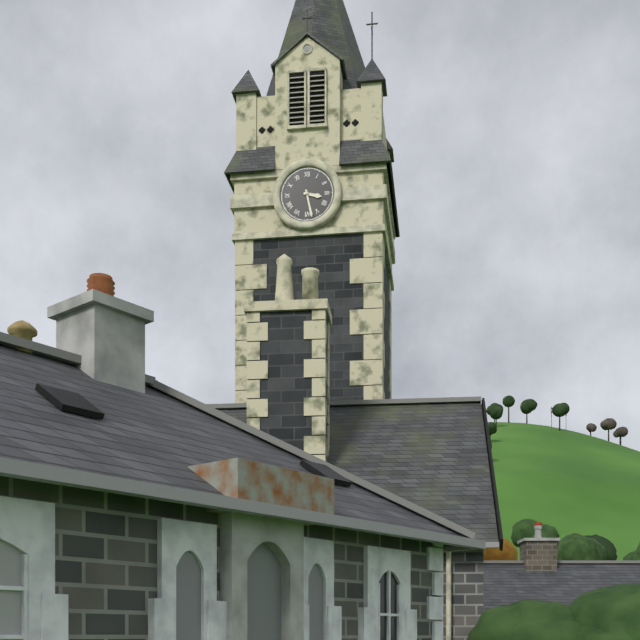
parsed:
3:28
